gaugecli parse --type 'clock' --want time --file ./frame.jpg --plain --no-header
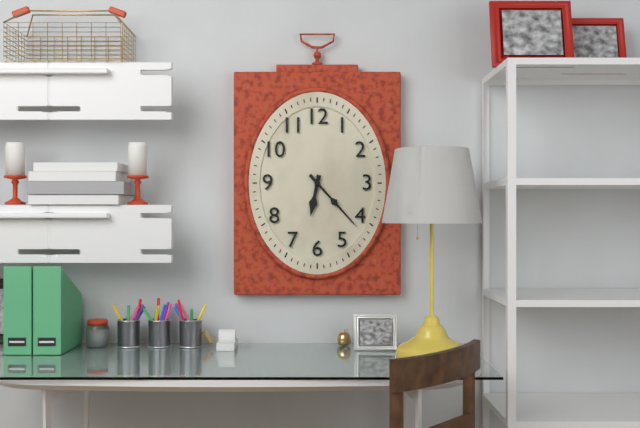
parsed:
6:23
